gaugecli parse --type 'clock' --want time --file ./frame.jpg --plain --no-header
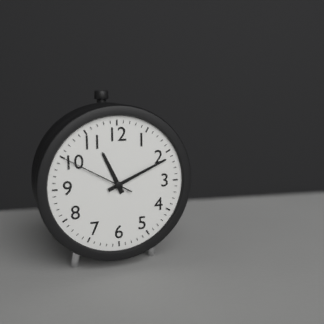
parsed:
11:11:50
